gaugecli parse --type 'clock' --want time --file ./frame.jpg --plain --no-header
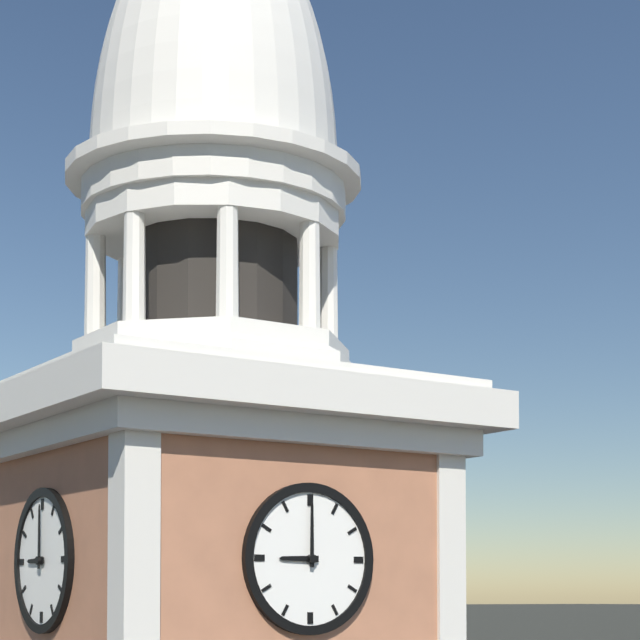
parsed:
9:00
